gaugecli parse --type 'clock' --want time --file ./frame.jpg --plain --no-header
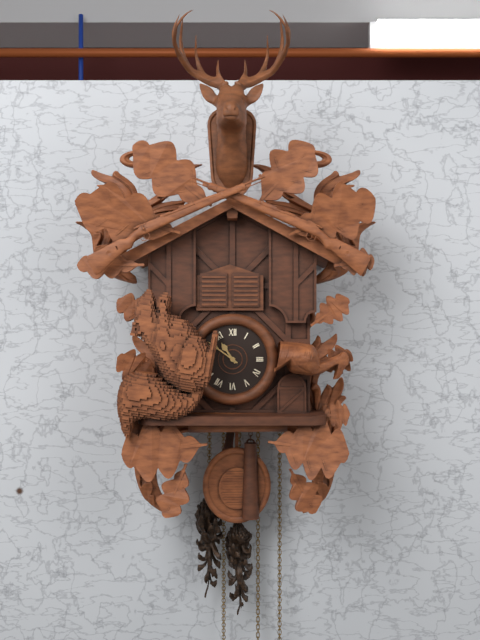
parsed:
10:51
